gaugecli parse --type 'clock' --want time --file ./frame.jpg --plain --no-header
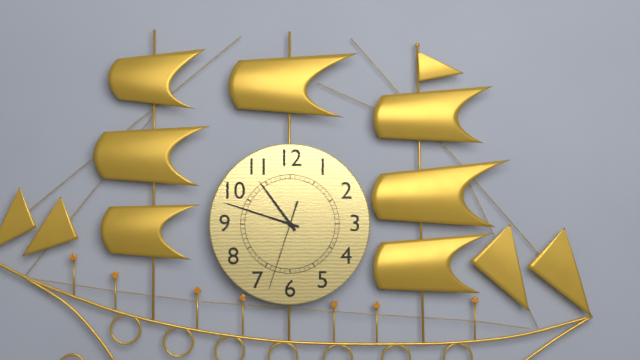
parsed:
10:48:33
